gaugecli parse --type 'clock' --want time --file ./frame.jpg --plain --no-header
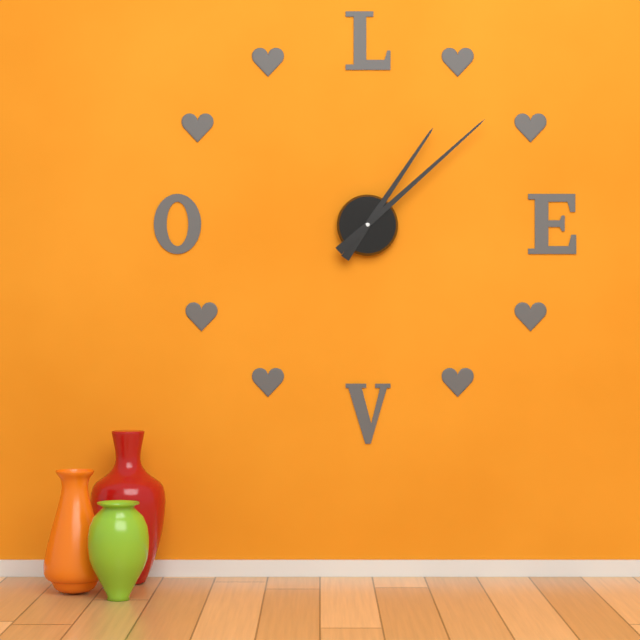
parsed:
1:08
